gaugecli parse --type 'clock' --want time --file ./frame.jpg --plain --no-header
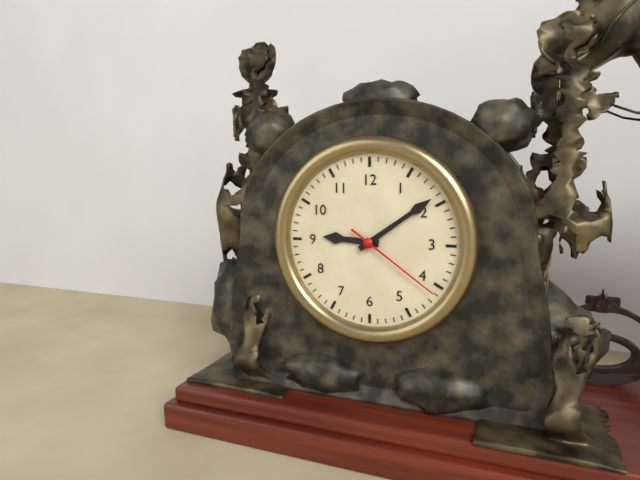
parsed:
9:09:21
